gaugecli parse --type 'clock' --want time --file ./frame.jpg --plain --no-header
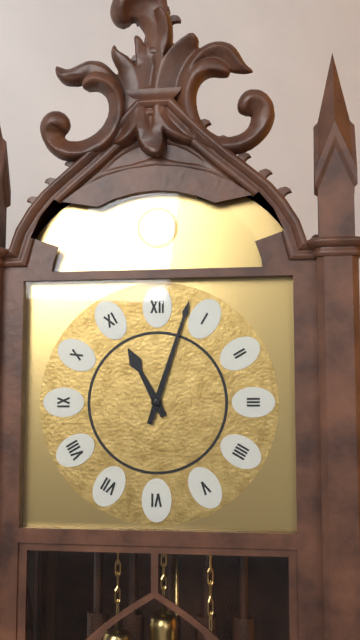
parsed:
11:03
